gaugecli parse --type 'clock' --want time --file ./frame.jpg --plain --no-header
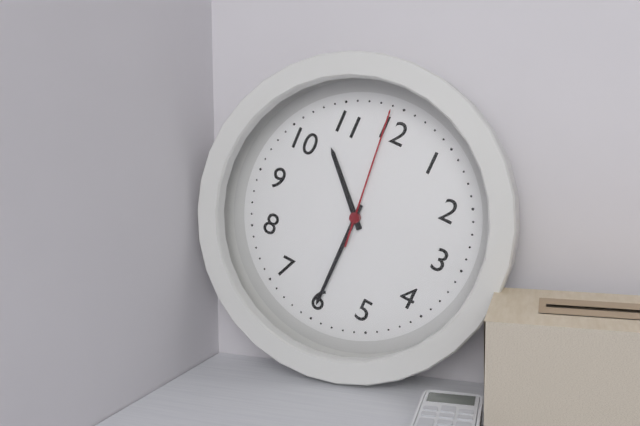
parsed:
10:30:59
